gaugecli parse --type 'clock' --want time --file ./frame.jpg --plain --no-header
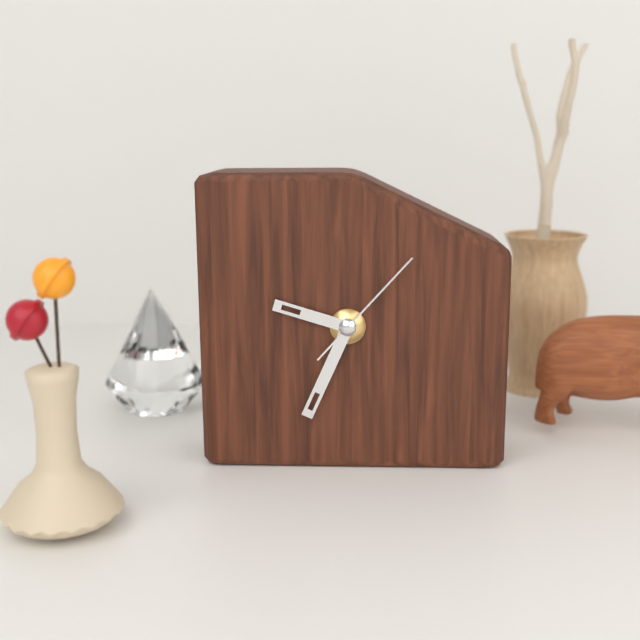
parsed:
9:34:07
